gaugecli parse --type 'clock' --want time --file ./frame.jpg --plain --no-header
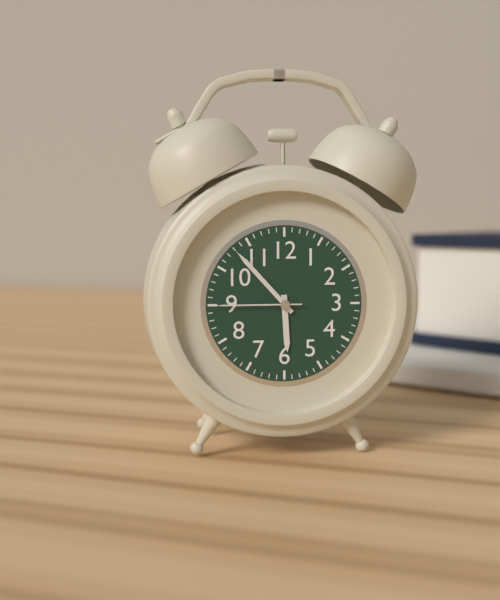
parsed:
5:53:45
